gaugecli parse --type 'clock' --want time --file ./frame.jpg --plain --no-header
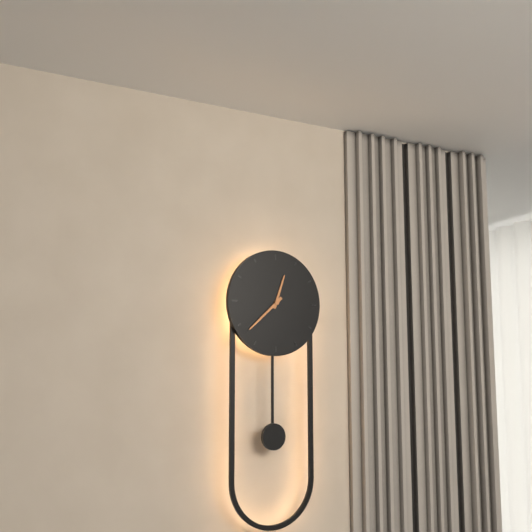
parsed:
12:38
